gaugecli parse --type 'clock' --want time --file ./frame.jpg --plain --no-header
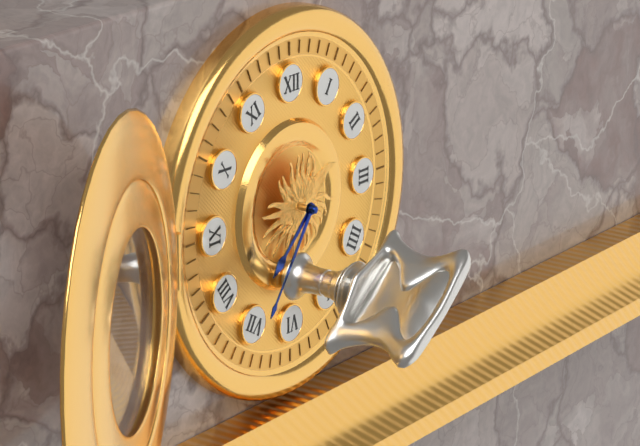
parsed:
7:36
